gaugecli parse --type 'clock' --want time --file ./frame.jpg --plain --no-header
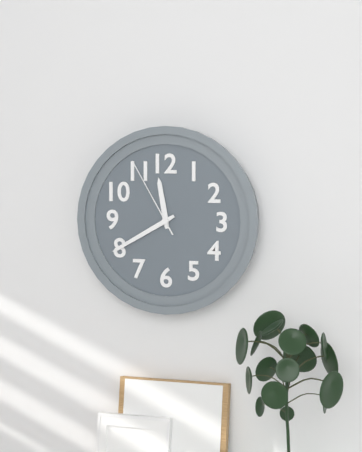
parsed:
11:40:55
